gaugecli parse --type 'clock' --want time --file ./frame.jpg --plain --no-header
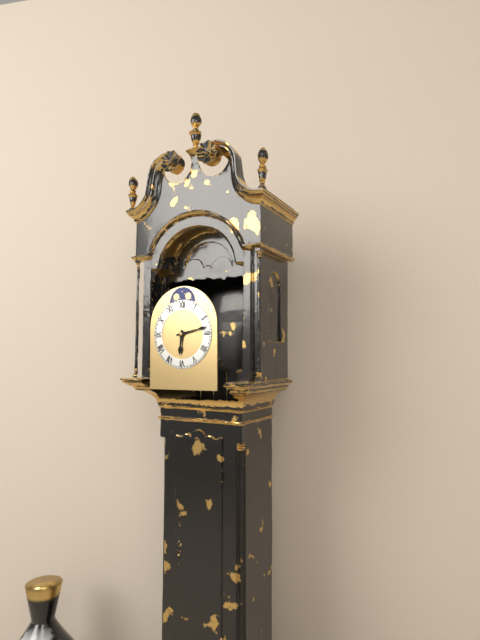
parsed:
6:13
